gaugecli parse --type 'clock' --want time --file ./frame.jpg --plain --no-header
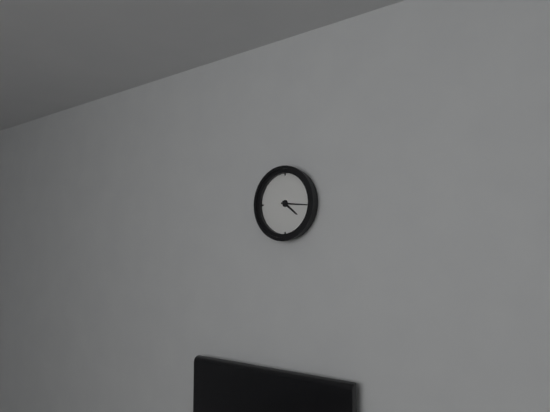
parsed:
4:16
